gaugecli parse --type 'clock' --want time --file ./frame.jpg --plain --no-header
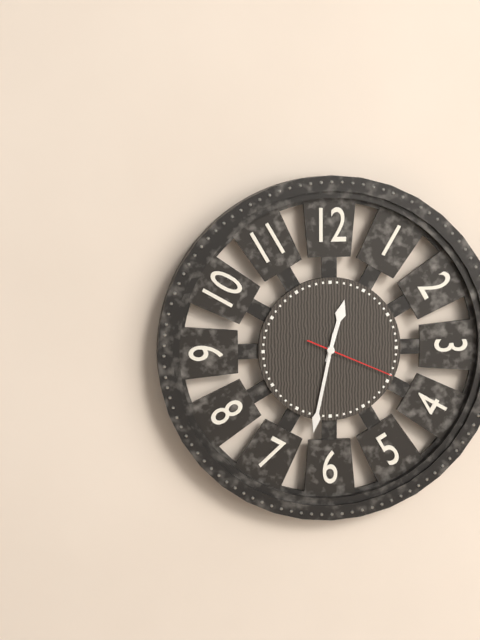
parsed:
12:32:19
